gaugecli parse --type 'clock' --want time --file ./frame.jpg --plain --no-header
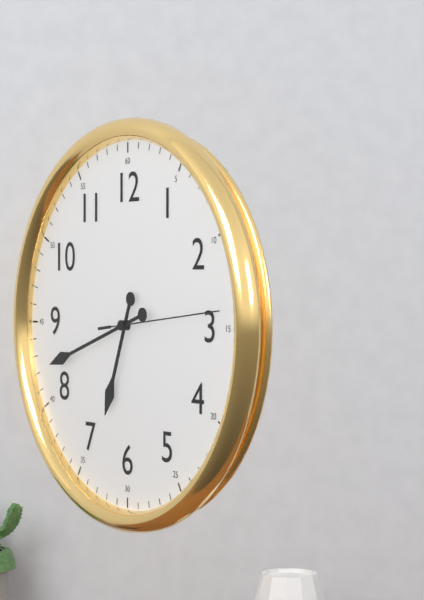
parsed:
6:42:14
